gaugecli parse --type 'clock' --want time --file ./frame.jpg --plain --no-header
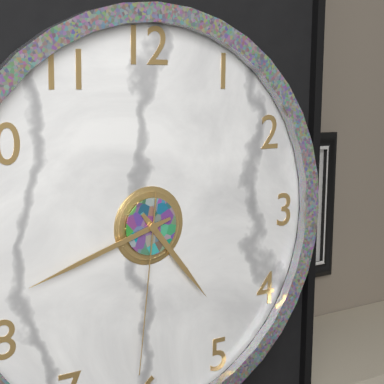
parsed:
4:42:31
